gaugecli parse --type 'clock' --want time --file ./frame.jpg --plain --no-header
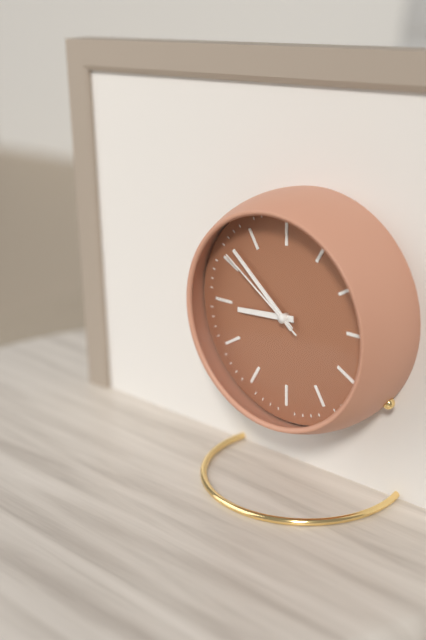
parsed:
8:52:51
